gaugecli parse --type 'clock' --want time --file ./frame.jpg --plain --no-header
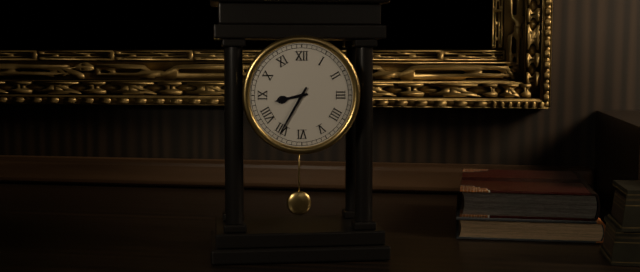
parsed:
8:35
